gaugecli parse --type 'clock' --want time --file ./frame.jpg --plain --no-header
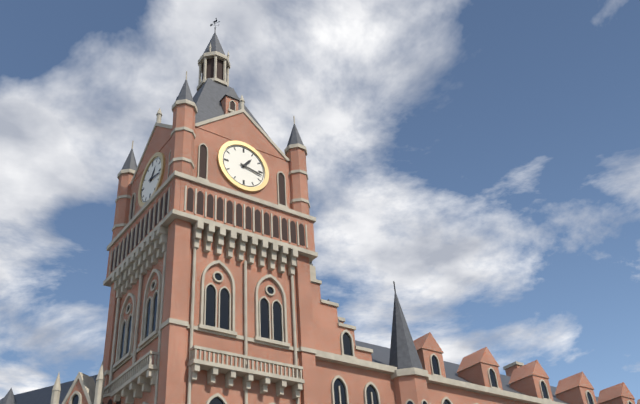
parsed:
1:17
